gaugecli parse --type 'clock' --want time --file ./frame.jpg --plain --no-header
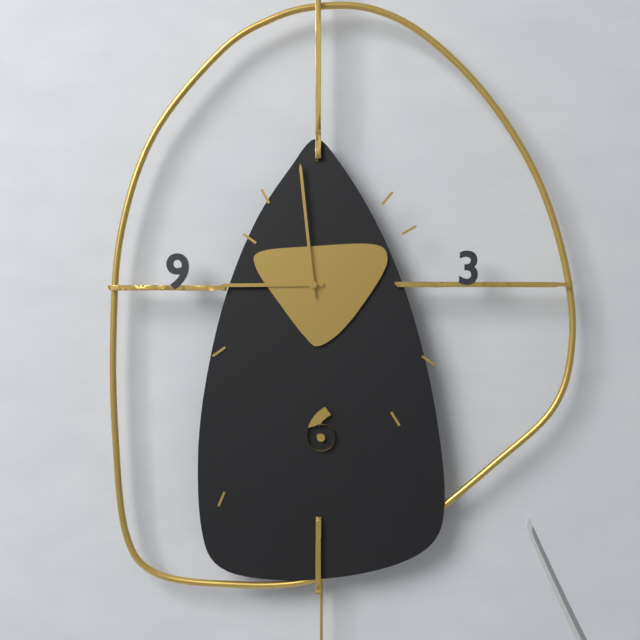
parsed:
8:59
